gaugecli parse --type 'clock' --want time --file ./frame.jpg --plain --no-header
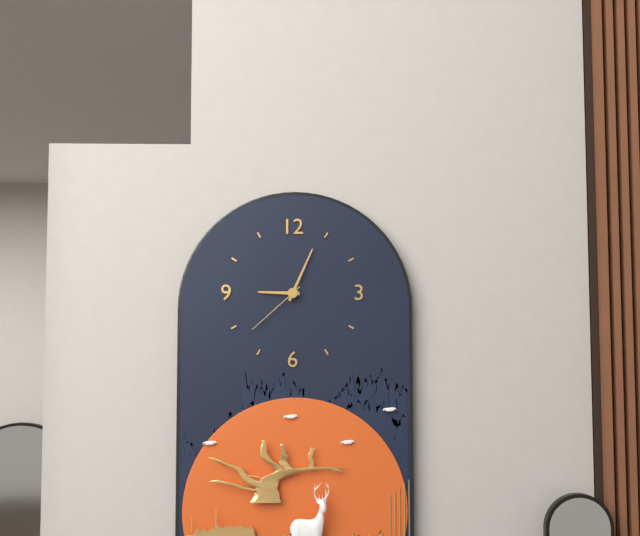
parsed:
9:04:38
